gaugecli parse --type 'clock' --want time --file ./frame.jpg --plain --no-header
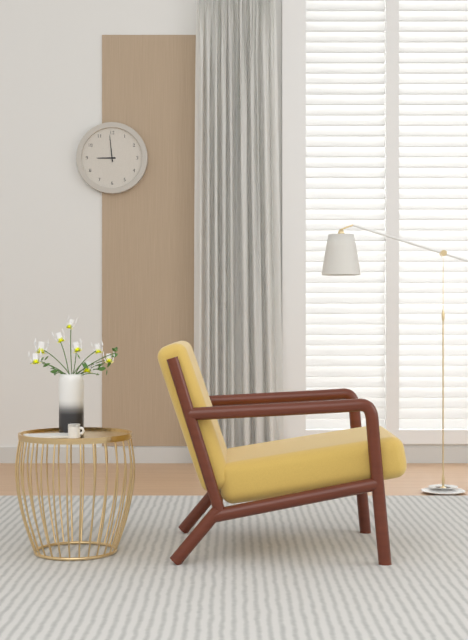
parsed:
8:59
